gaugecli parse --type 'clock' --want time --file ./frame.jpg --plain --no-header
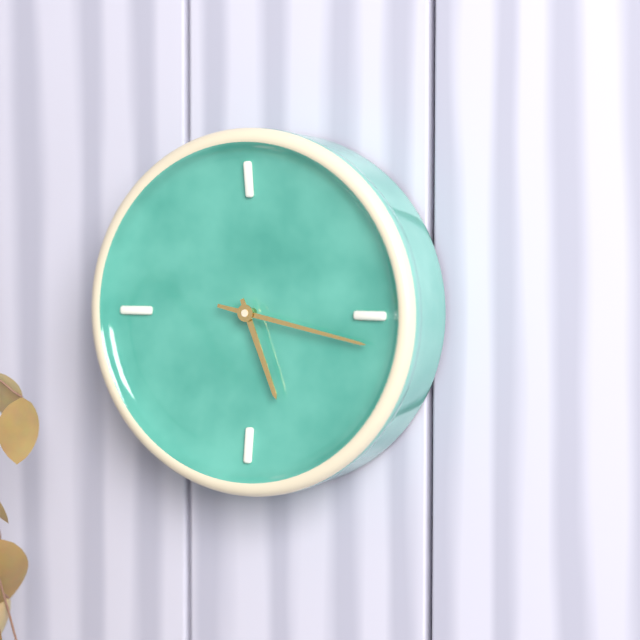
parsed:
5:17
